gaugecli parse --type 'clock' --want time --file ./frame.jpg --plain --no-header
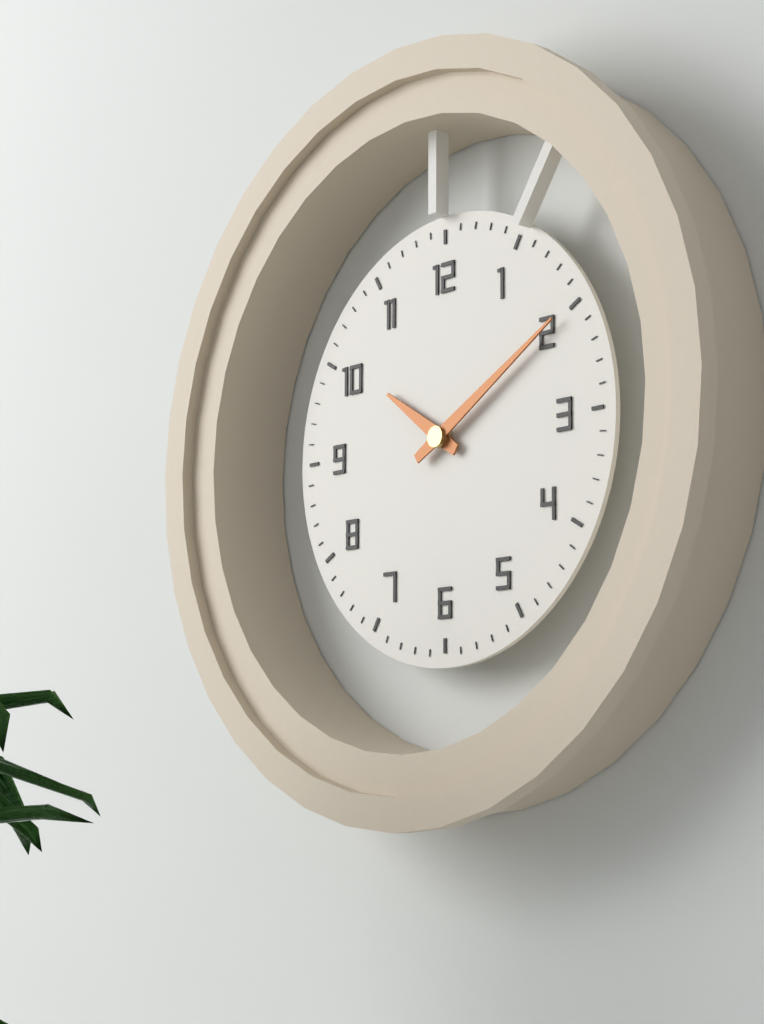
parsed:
10:10
